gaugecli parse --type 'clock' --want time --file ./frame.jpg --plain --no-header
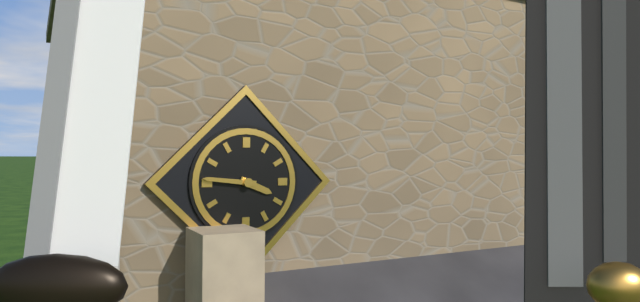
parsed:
3:46
